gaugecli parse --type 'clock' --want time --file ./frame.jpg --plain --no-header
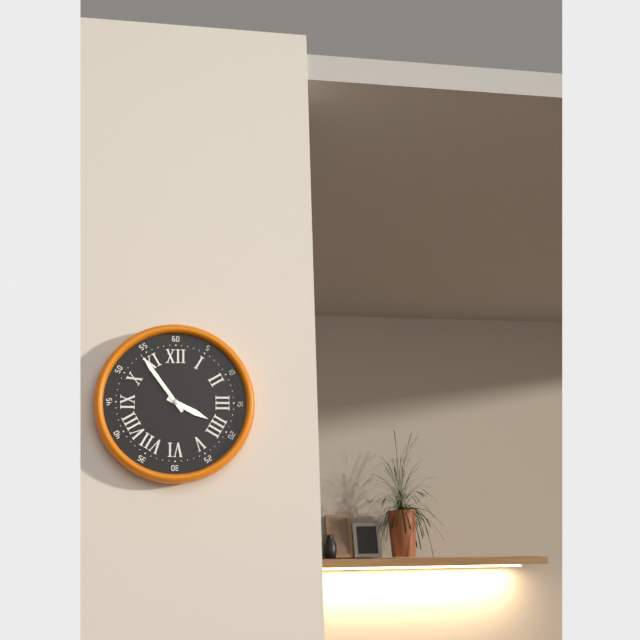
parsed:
3:54
